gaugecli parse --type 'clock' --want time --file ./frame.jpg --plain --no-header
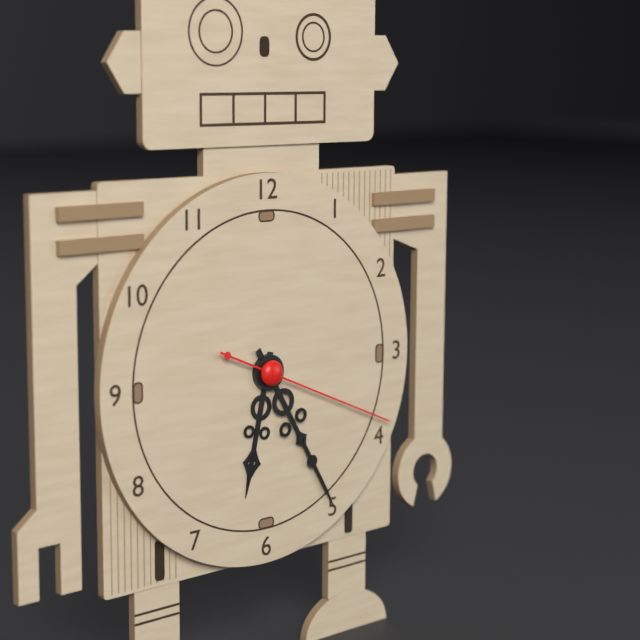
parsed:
6:25:19
